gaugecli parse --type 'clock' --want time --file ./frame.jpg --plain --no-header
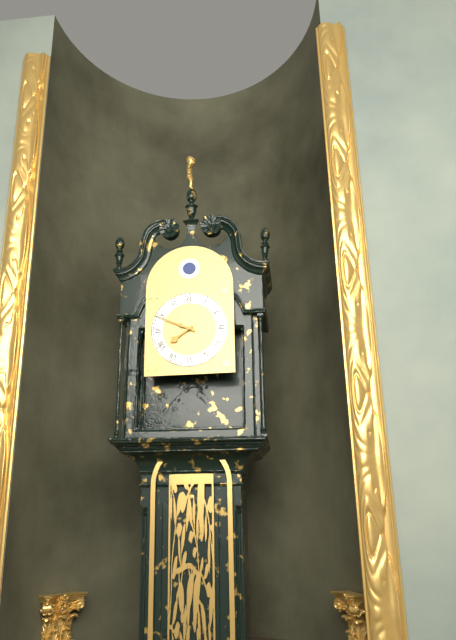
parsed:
7:49
